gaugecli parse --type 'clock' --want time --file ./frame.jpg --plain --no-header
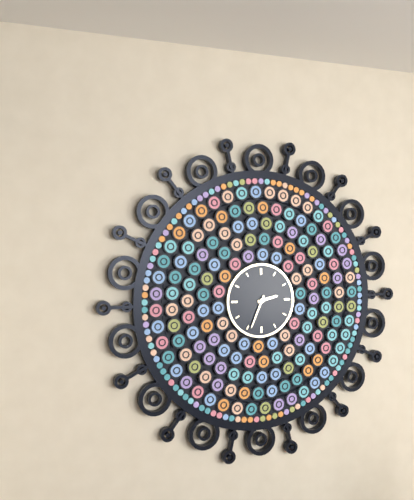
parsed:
2:34
